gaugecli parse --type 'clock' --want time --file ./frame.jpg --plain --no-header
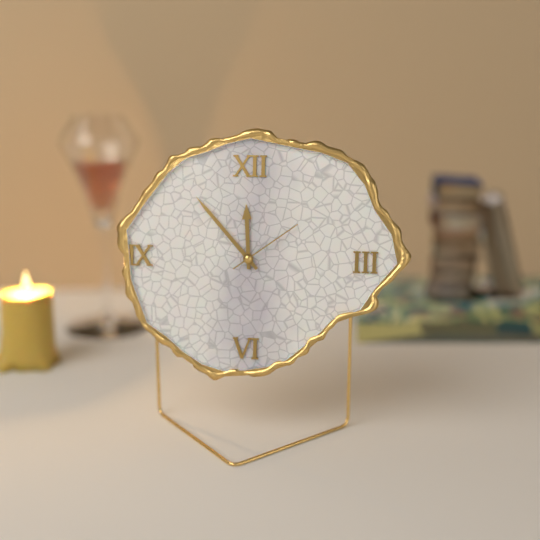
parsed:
11:53:09
